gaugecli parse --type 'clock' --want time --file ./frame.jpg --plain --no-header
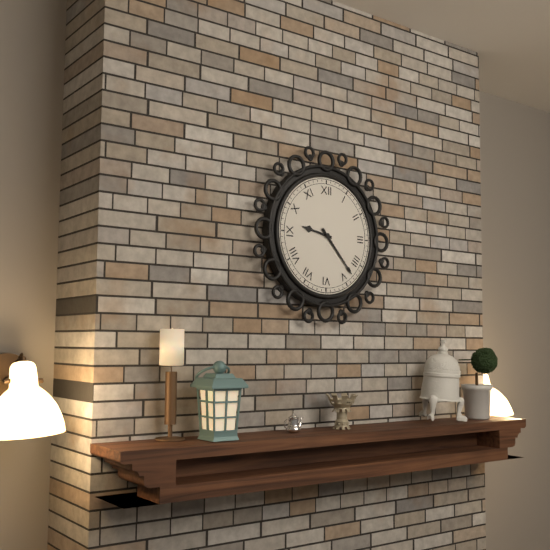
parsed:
9:23
